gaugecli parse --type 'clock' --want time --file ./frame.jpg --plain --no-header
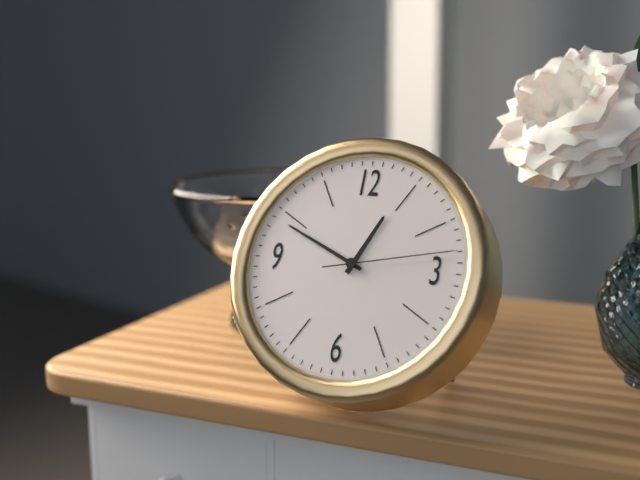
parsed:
12:49:13
